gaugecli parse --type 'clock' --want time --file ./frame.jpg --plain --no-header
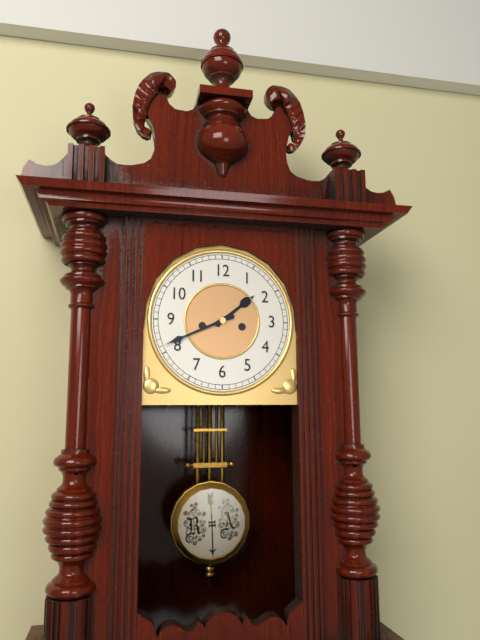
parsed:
1:41
